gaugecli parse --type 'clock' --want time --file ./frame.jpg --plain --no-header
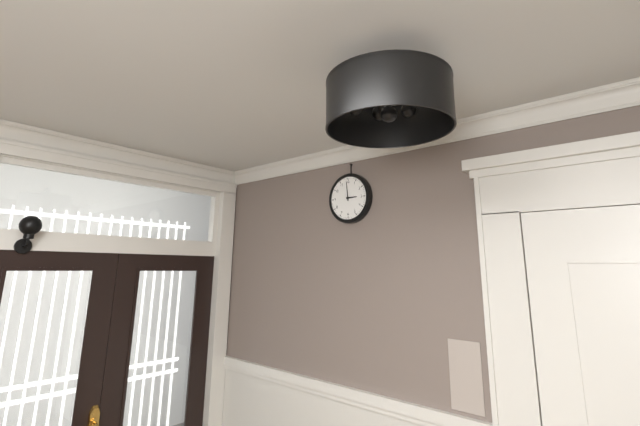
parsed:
2:59
